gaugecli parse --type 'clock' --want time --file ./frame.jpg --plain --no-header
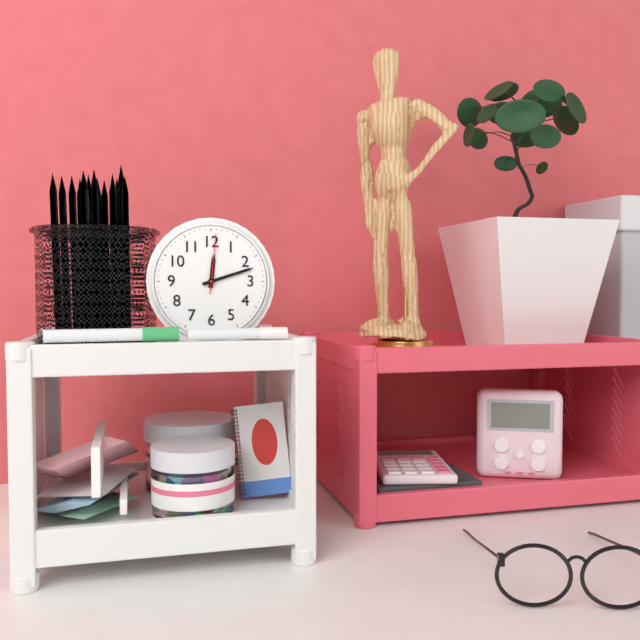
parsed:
12:12:01
